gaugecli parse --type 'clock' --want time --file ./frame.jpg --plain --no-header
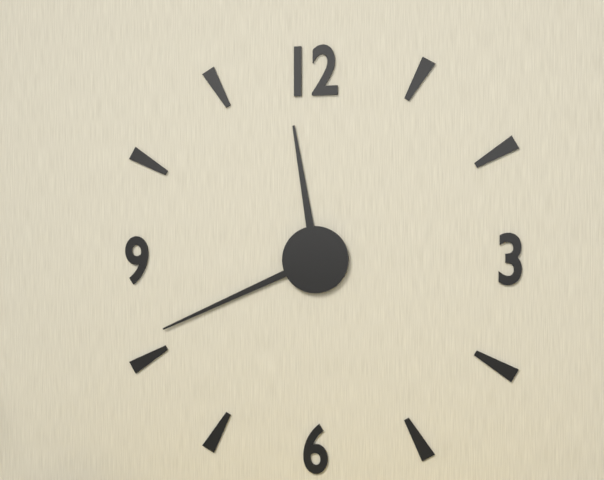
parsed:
11:41
